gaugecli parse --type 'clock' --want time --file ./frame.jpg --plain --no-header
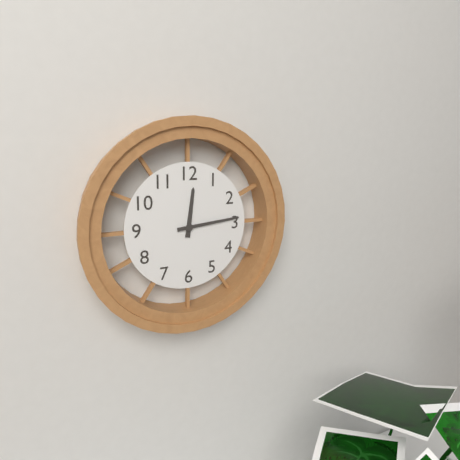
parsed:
12:14
